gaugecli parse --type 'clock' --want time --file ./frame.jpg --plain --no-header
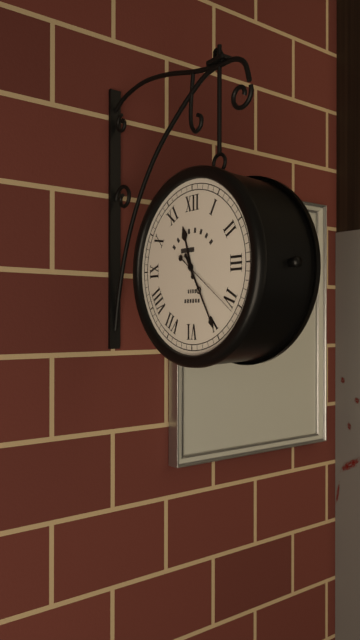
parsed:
11:25:21
